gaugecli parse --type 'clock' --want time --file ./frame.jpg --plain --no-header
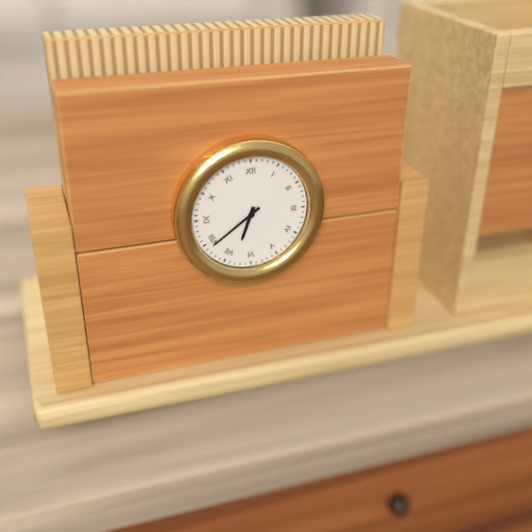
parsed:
6:39
